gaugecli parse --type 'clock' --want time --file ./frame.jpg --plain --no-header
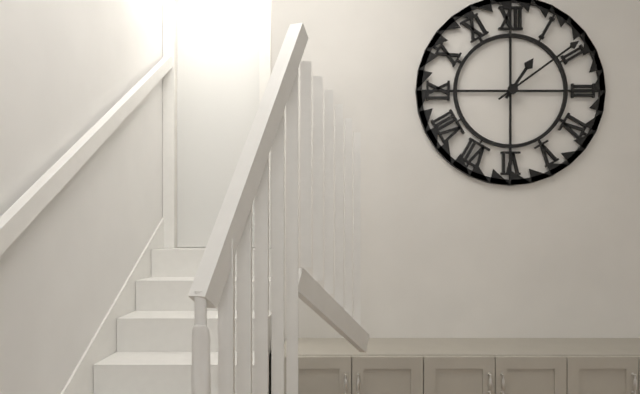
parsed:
1:09
